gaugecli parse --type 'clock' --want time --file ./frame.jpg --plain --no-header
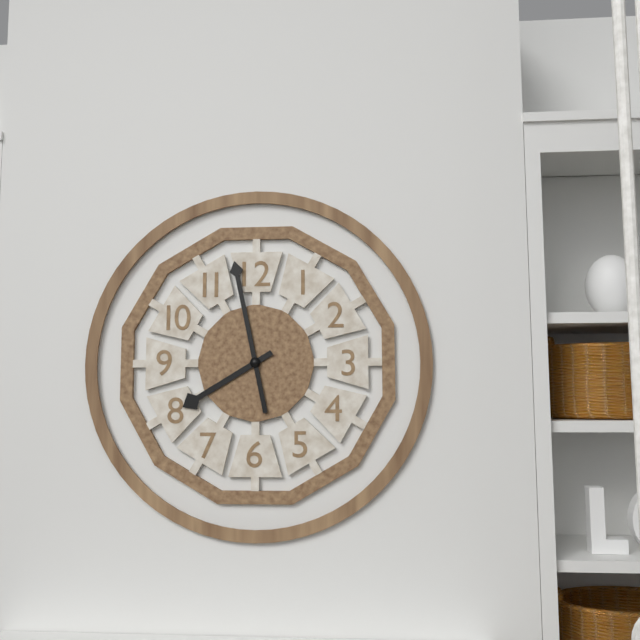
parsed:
7:58
